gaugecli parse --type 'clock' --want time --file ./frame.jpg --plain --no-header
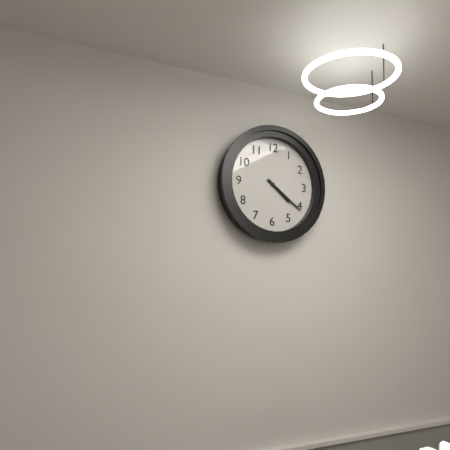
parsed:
4:21
